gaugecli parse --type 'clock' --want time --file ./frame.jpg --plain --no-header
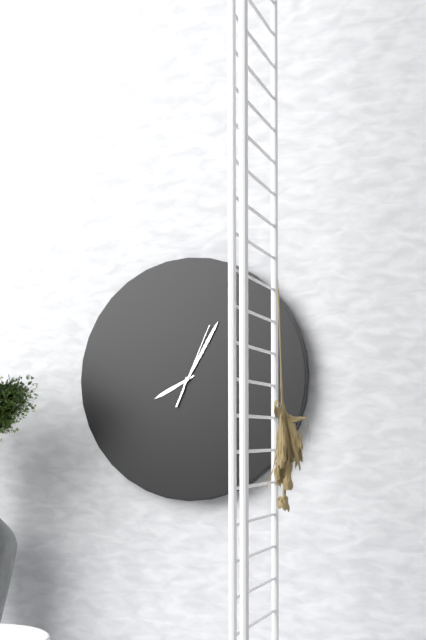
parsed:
8:05:04
